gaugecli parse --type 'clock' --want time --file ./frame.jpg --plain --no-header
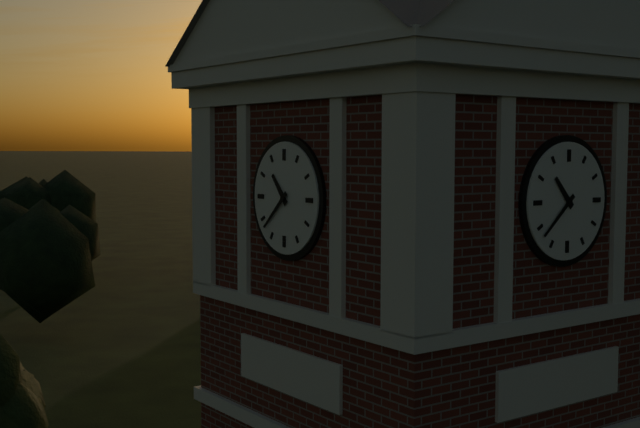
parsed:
10:38
